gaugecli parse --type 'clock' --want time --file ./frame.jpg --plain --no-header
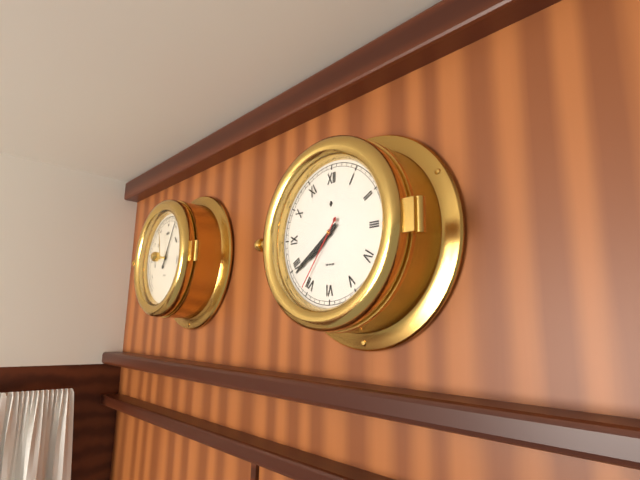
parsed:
7:39:36
